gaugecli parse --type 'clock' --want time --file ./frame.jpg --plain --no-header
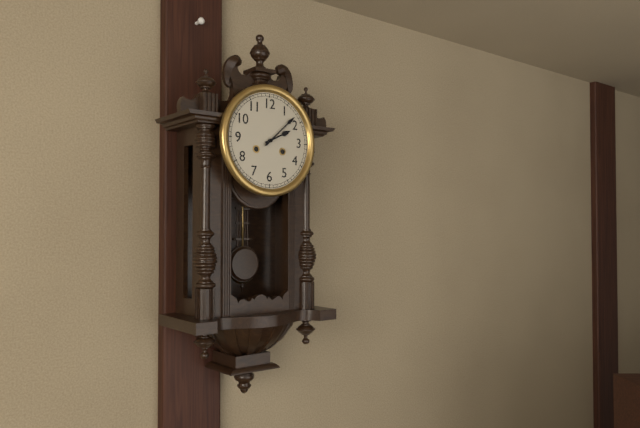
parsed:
2:08
